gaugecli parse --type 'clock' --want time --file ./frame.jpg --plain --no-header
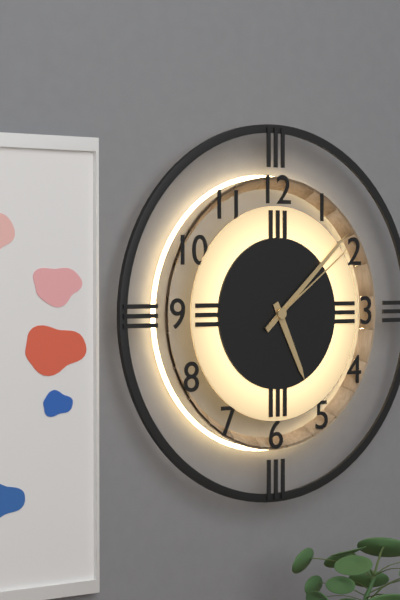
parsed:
5:08:09
